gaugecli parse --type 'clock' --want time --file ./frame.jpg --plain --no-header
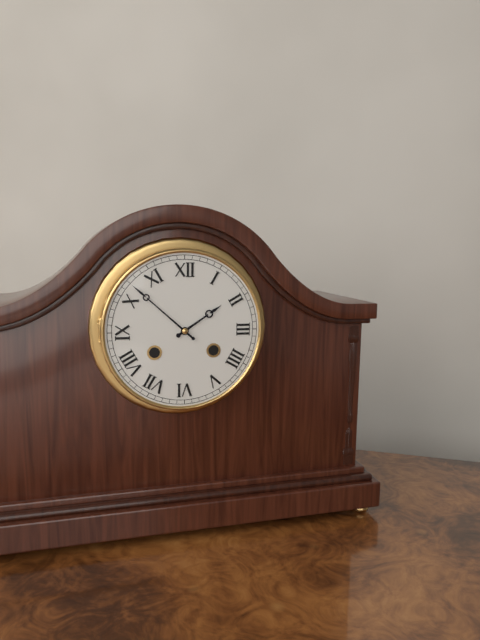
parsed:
1:52
